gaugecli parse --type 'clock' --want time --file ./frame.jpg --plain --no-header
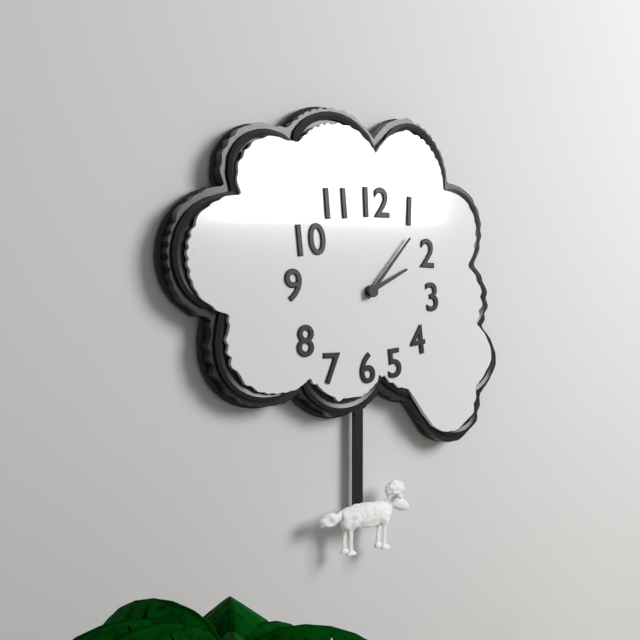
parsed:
2:07
